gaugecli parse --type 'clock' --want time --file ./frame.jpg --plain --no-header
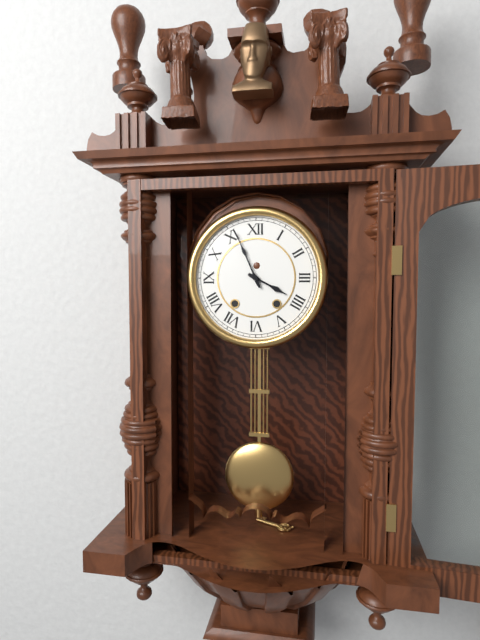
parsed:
3:56
